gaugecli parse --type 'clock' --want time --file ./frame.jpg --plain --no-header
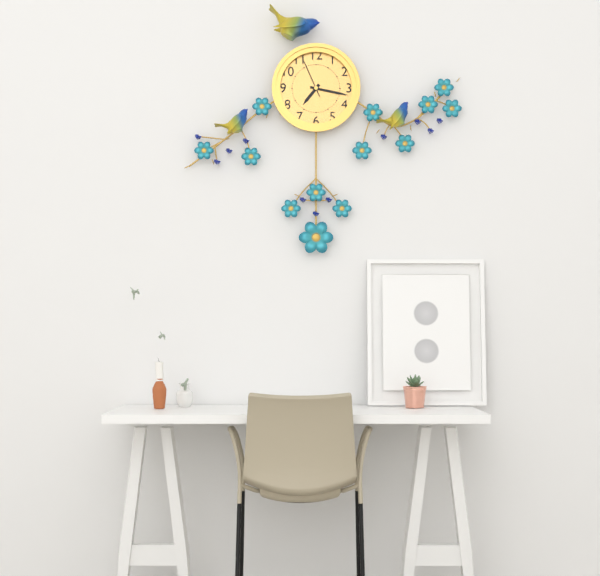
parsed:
7:17
